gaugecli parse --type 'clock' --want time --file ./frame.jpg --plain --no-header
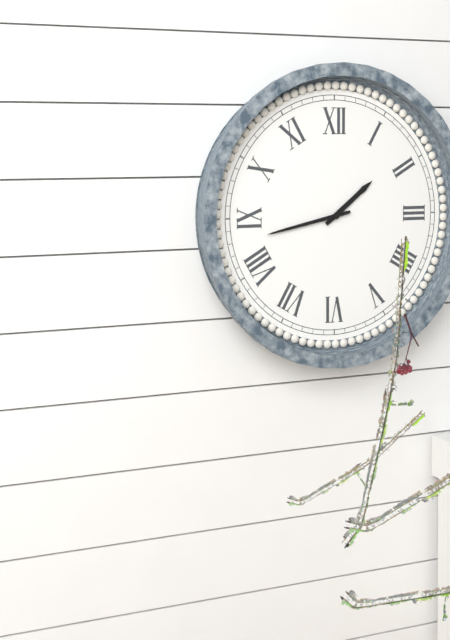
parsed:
1:43
